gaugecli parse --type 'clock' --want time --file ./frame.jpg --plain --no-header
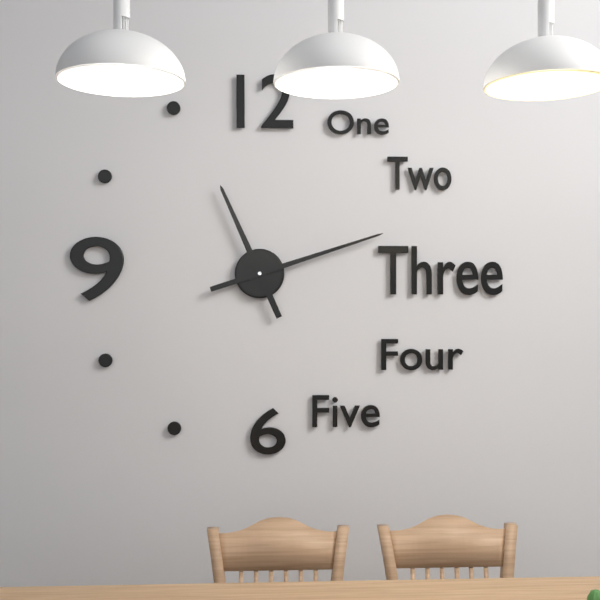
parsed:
11:12
